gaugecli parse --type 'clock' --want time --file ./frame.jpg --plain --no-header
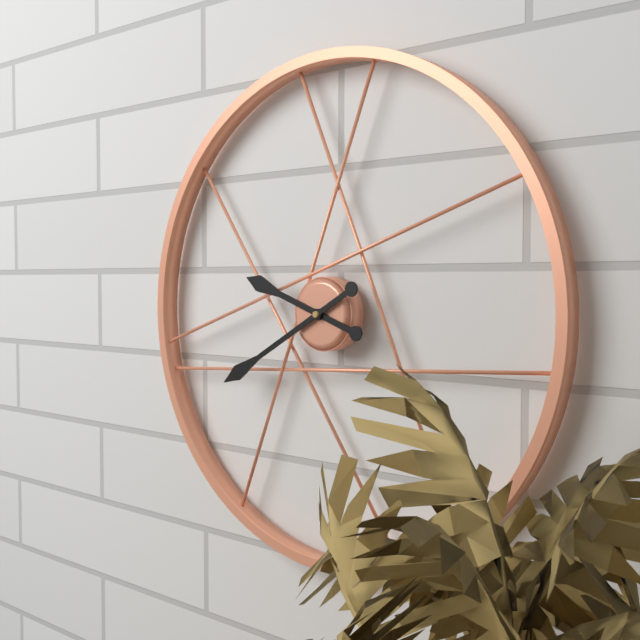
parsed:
9:40
